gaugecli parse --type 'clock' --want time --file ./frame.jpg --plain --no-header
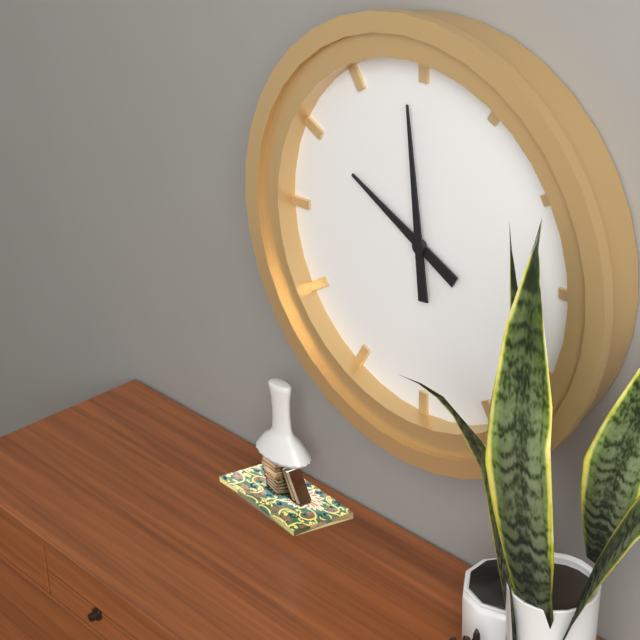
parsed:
9:59
